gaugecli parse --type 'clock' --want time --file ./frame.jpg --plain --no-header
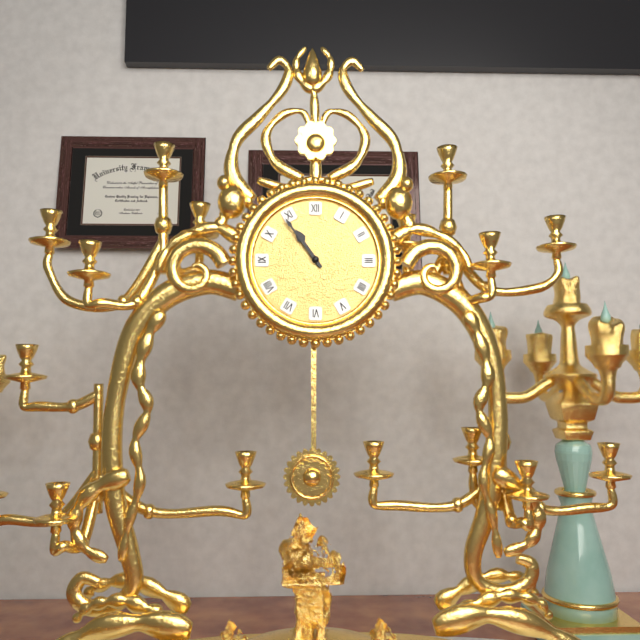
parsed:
10:54
